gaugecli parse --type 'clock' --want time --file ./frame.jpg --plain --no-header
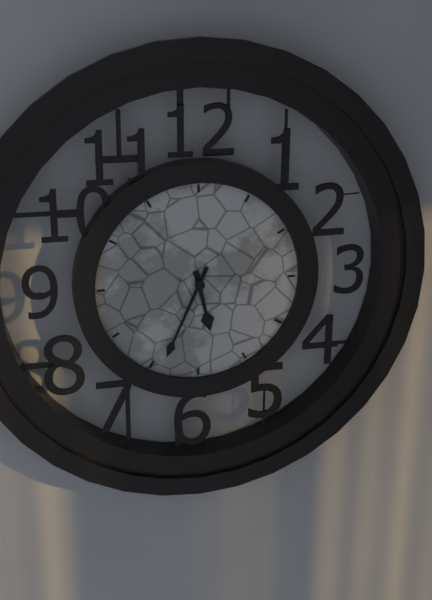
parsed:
5:34
